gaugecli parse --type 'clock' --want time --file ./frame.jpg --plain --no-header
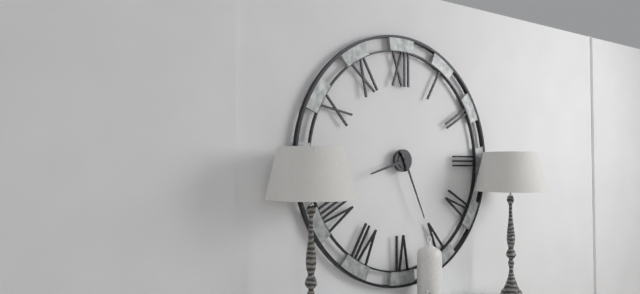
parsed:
8:26
